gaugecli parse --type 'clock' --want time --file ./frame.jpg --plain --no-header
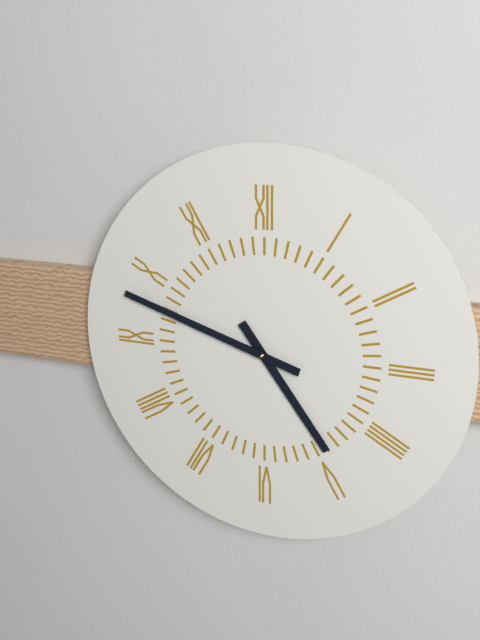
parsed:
4:48
